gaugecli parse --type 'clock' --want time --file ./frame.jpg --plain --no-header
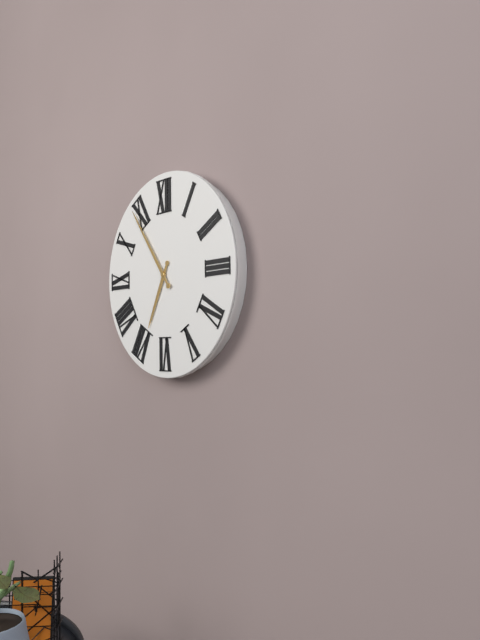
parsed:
6:54
